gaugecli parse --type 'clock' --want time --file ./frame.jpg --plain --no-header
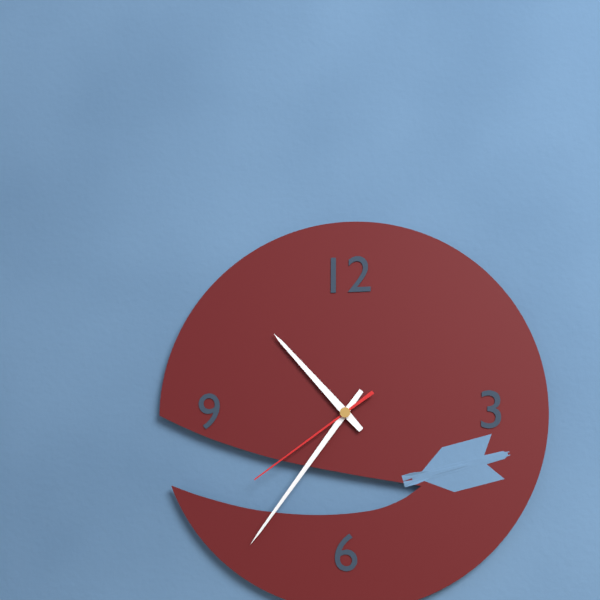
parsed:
10:36:39
